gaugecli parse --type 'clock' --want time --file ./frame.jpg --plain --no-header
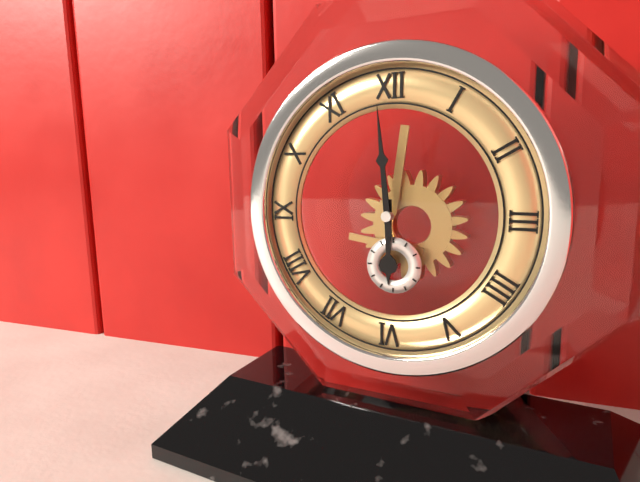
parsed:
5:59
